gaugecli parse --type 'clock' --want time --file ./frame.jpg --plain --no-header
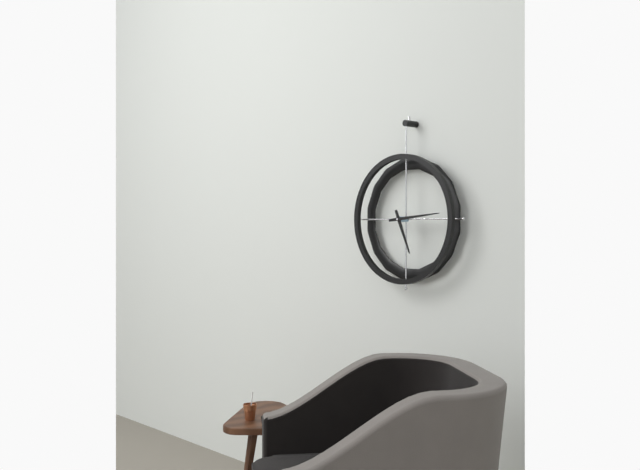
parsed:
5:14
